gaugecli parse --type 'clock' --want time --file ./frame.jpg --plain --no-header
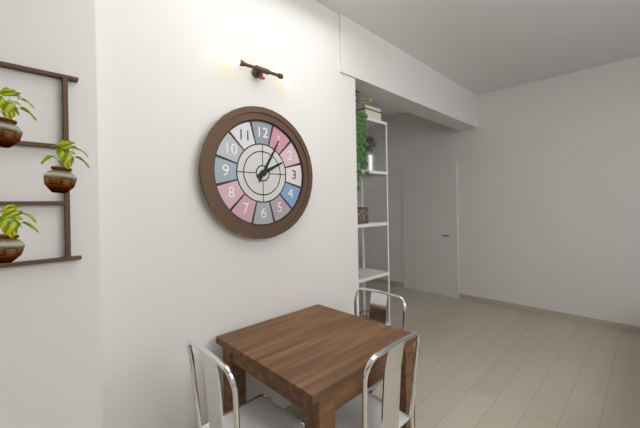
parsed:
2:05
